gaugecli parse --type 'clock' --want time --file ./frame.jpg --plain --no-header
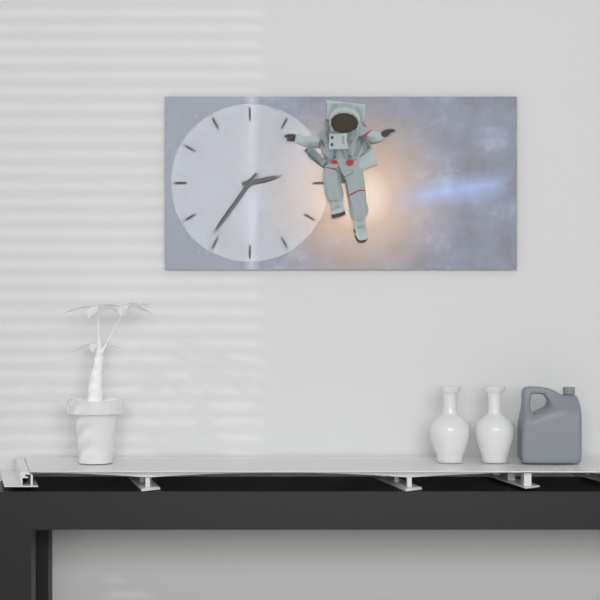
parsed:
2:36
